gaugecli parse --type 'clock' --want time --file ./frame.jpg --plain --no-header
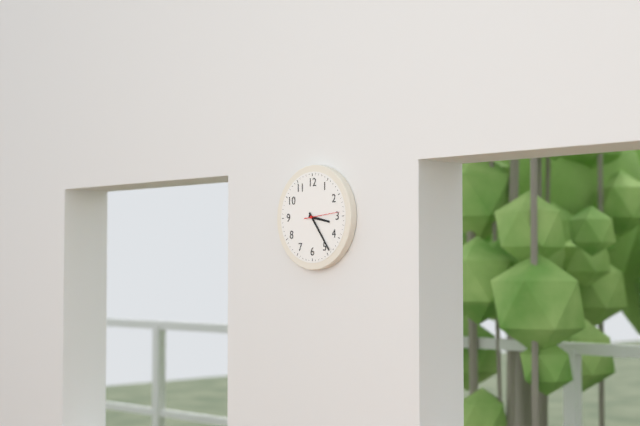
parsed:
3:24
